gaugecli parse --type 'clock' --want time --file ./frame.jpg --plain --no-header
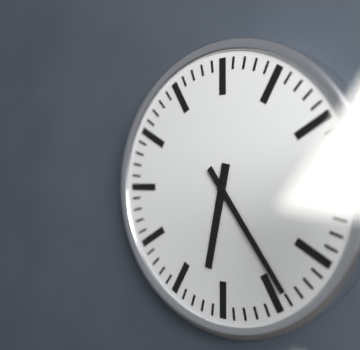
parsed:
6:24
